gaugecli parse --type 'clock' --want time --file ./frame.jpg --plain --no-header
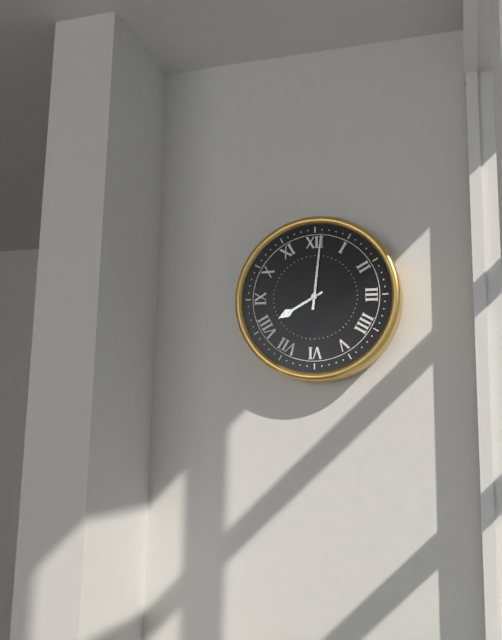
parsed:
8:01
